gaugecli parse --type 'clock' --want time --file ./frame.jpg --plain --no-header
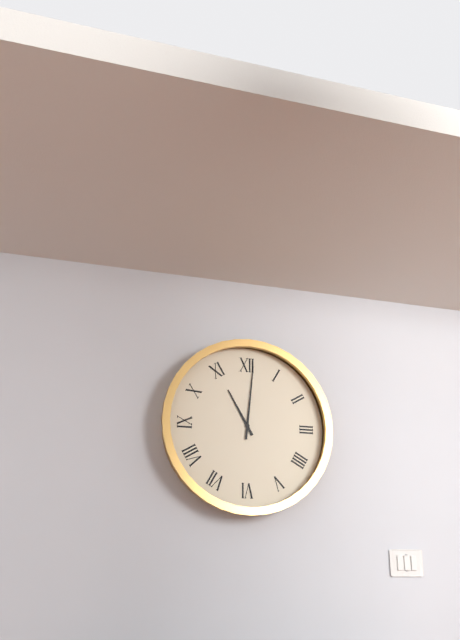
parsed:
11:01
